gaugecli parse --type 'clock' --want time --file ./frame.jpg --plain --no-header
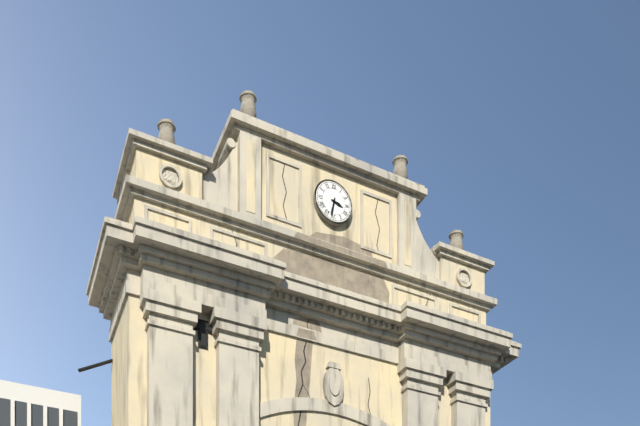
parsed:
3:32
